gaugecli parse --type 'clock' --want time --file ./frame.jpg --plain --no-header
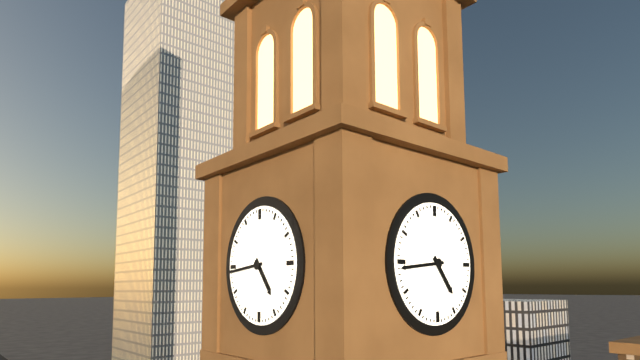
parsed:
4:44
